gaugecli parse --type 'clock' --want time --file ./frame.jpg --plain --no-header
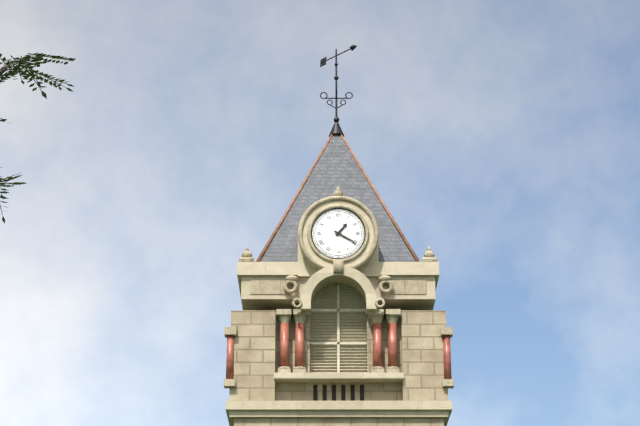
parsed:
1:20
